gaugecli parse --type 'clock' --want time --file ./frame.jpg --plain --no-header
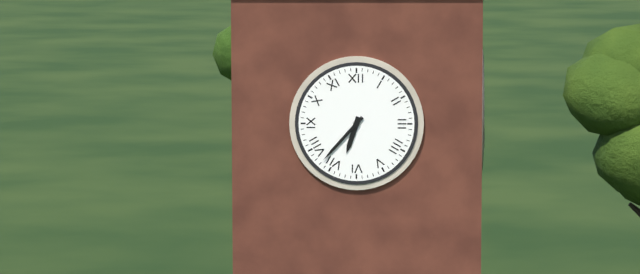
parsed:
6:37
